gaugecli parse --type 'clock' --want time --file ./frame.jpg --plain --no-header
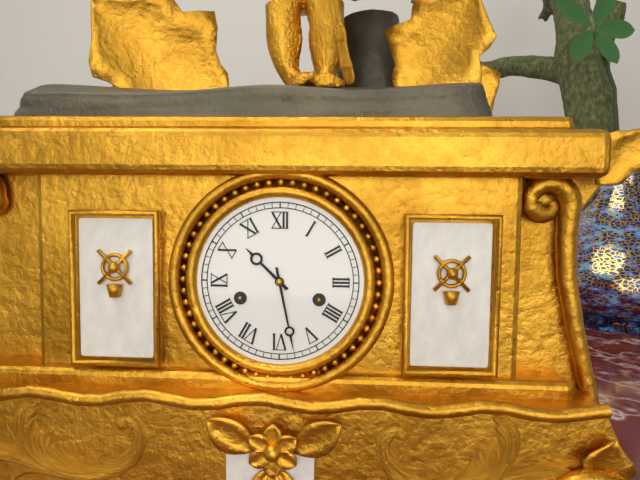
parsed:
10:28
